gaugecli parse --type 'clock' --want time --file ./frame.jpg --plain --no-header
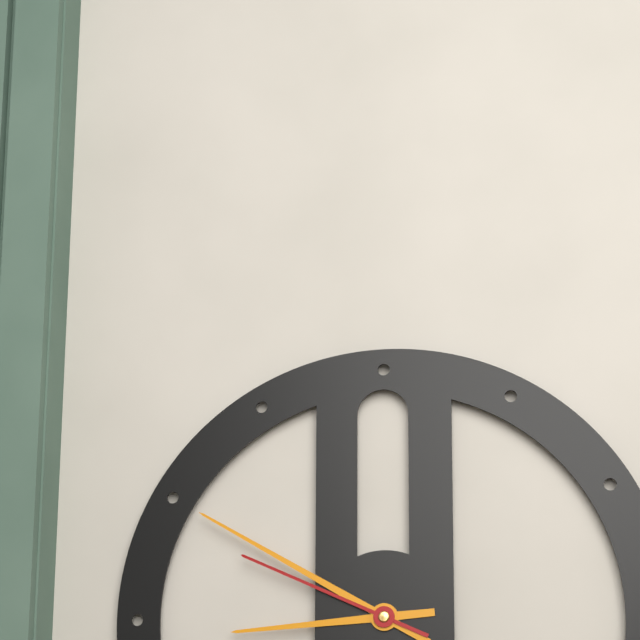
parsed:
8:50:49
